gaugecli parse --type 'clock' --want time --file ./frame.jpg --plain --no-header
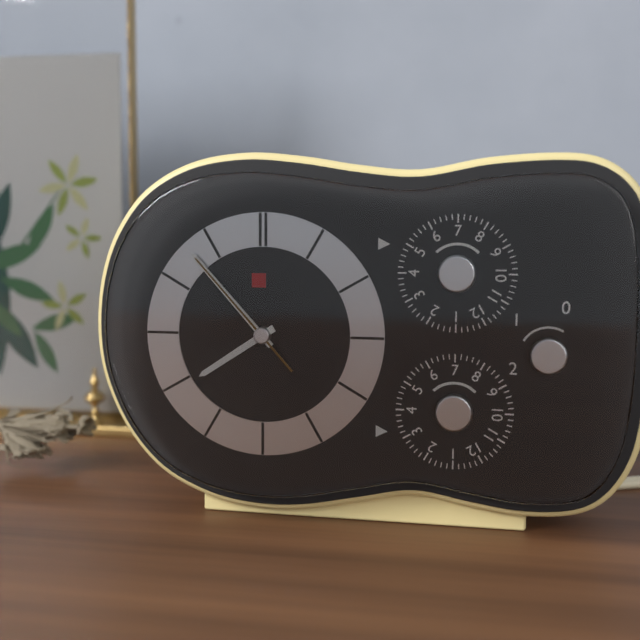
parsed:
7:53:53
